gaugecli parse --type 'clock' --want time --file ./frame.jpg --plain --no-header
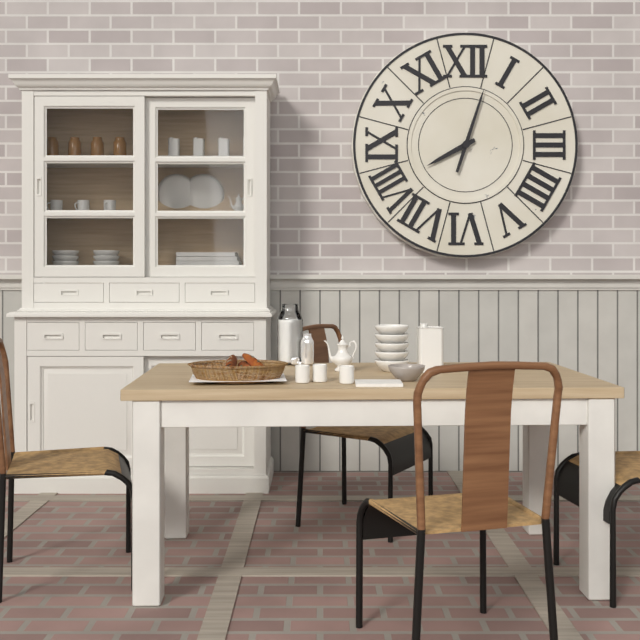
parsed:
8:03
